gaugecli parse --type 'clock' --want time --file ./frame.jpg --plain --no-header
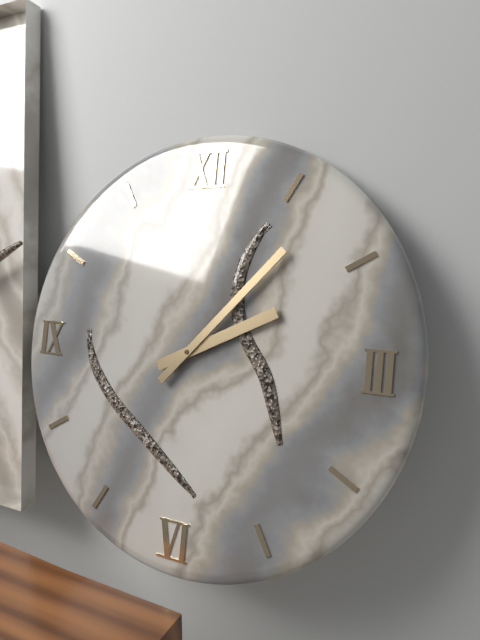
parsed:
2:07
